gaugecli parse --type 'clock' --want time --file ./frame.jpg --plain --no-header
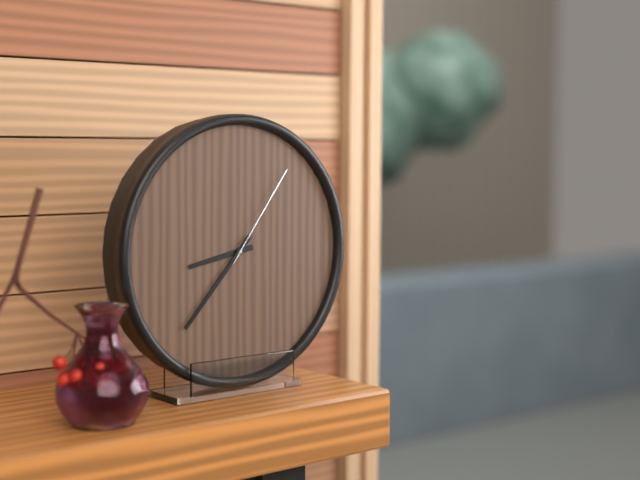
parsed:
8:37:06
